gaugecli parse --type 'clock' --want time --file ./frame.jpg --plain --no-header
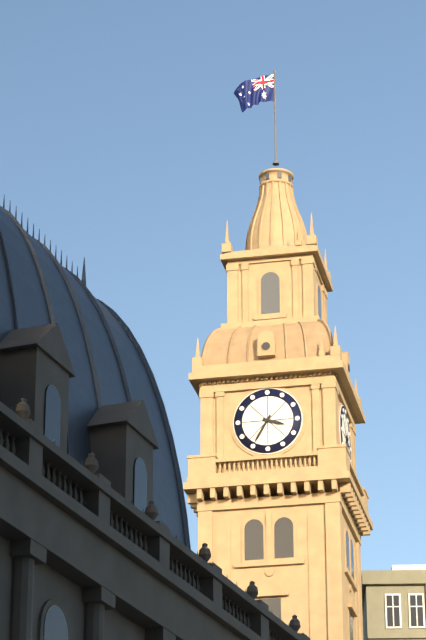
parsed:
3:35
